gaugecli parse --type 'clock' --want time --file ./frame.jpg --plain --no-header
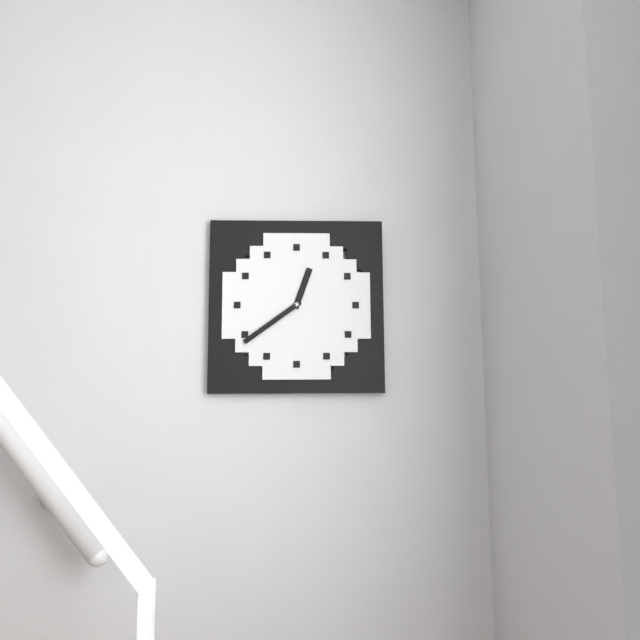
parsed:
12:39
